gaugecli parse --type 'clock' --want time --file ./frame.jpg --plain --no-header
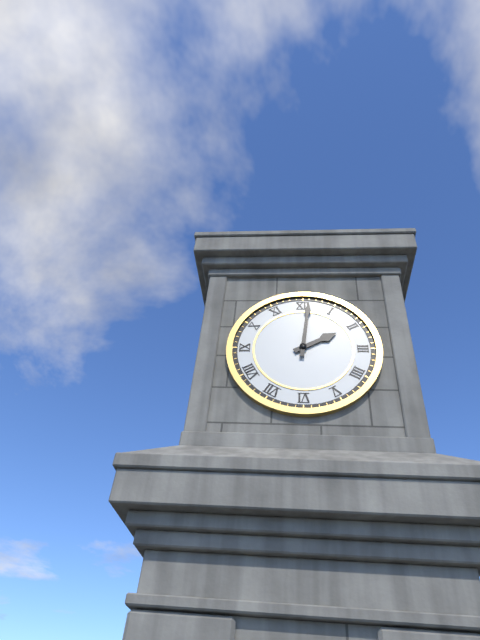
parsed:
2:01
